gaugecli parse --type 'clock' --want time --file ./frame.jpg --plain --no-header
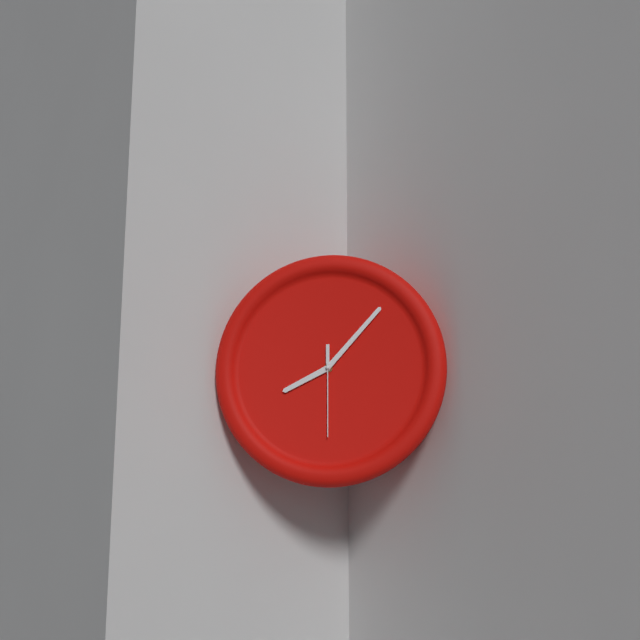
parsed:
8:07:30
